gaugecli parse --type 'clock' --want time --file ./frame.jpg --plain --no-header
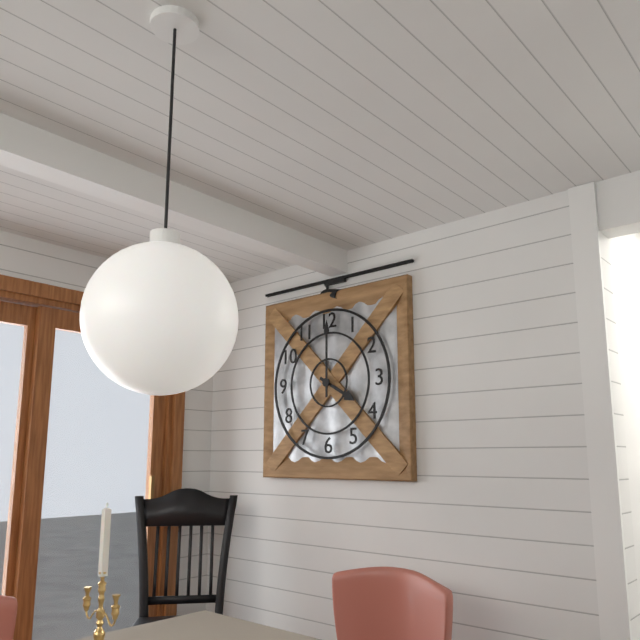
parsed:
4:00
